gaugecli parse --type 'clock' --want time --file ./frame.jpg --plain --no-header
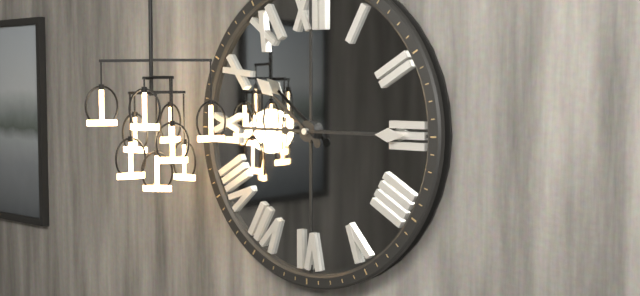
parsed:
10:15
